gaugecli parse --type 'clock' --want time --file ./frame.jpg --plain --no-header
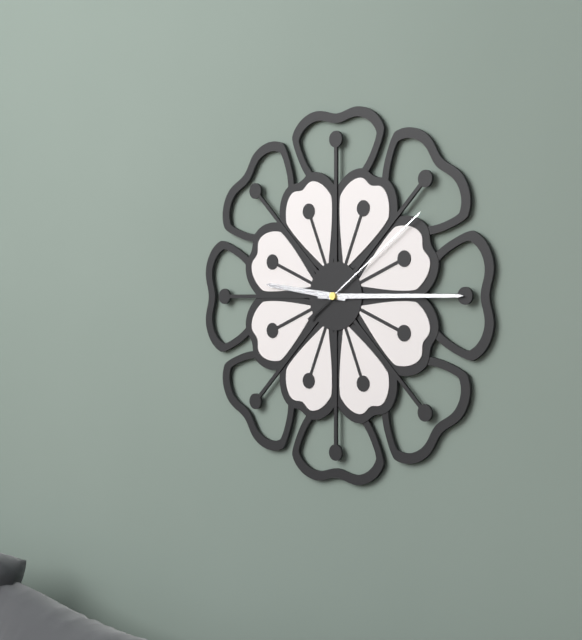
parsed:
9:15:09
